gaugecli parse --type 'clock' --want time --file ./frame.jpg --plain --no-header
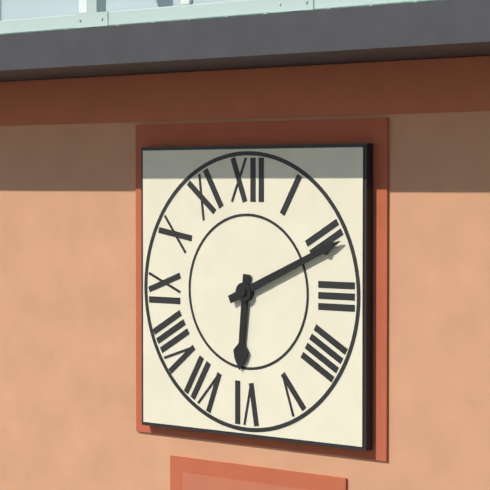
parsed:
6:11
